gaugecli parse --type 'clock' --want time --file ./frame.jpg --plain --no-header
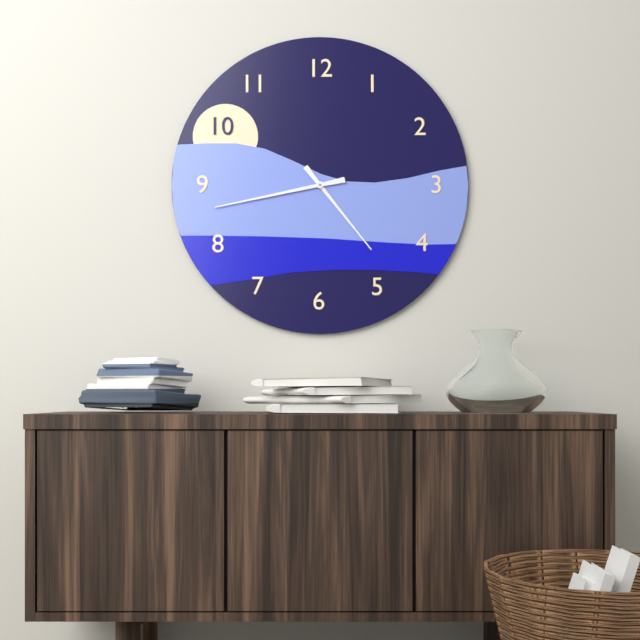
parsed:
4:43
